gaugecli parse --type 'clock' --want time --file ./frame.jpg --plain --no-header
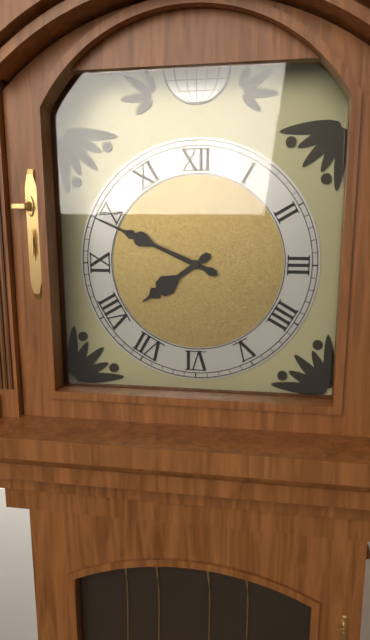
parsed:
7:49
